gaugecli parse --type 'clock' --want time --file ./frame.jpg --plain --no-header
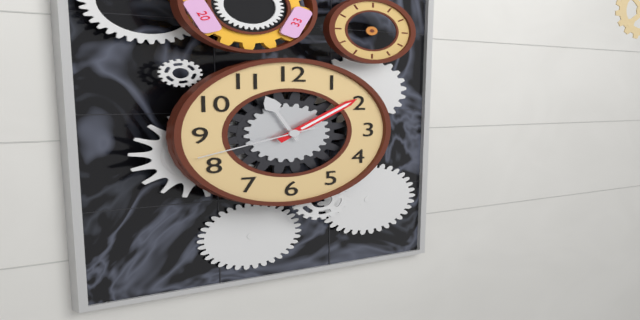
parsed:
11:09:42
